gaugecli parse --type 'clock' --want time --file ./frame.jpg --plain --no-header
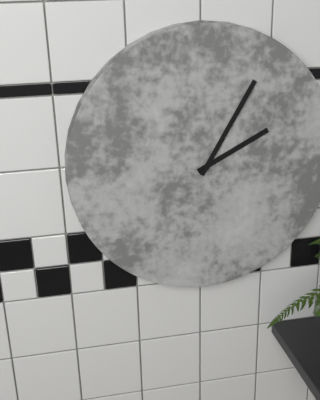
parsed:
2:05
